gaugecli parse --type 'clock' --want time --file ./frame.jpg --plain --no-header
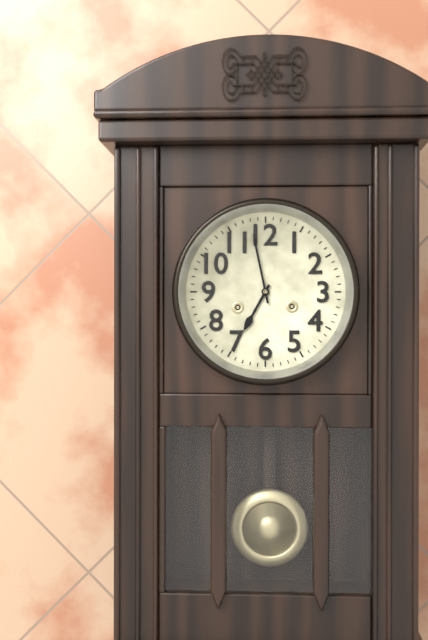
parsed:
6:58
